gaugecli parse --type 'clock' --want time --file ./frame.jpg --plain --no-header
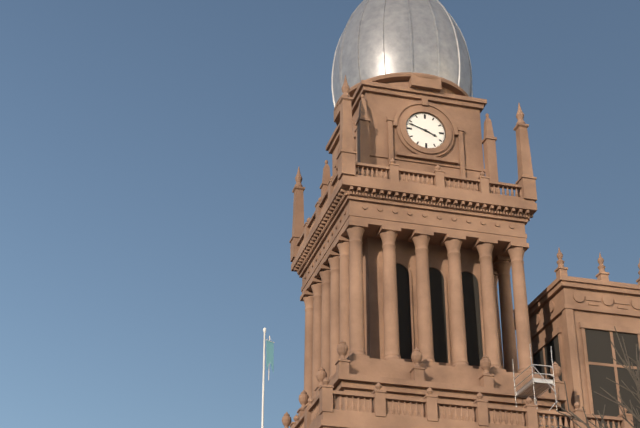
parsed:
3:48
